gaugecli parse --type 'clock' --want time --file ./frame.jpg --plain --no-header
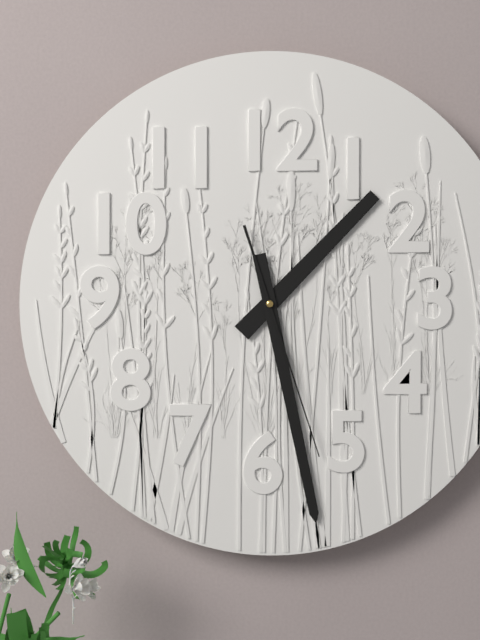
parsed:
1:28:27
